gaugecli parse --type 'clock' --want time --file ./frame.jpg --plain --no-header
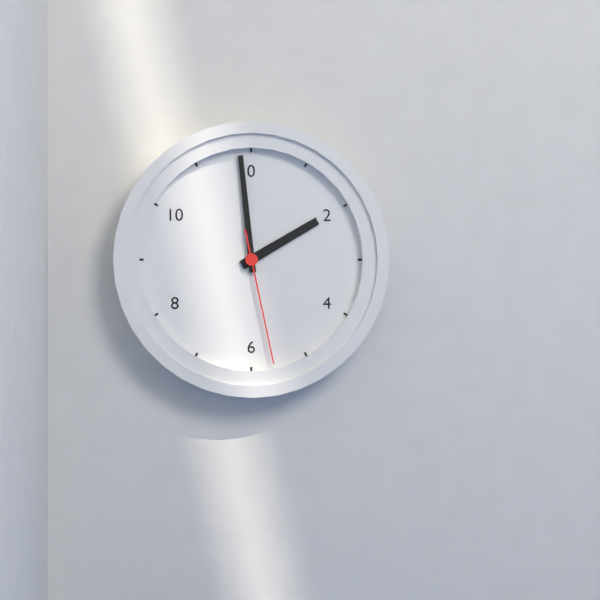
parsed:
1:59:28
